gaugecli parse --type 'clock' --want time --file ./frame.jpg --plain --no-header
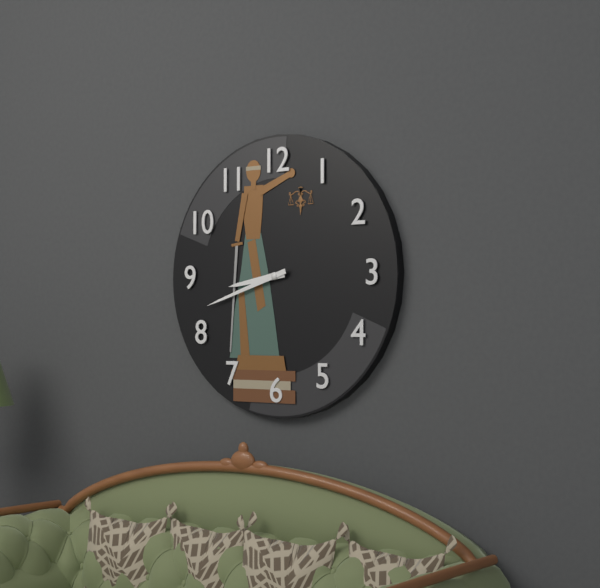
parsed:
8:42
